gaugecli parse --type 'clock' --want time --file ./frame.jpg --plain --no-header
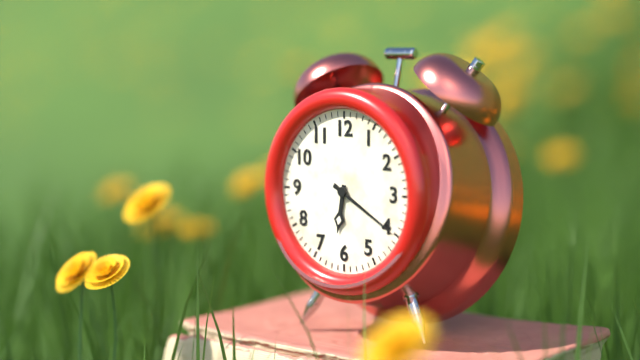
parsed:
6:20
